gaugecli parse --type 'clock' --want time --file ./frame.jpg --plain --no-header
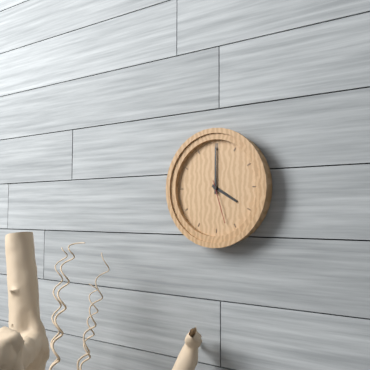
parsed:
4:00
